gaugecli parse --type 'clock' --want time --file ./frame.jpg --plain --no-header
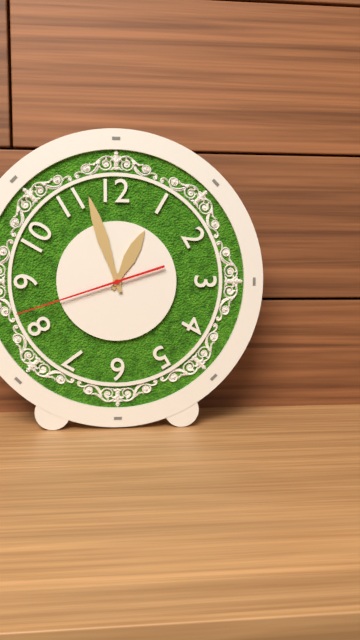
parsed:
12:57:42
